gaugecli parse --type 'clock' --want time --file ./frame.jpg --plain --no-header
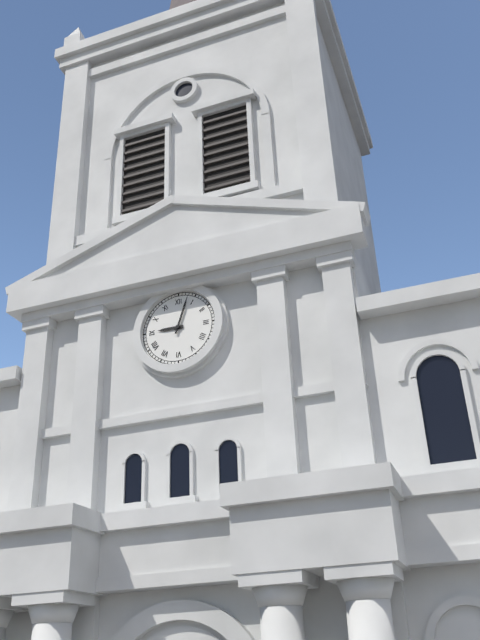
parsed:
9:03
